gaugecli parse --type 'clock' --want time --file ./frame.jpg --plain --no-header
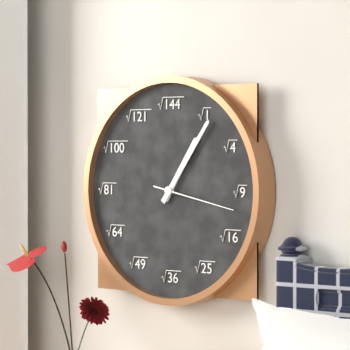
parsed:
1:06:17
